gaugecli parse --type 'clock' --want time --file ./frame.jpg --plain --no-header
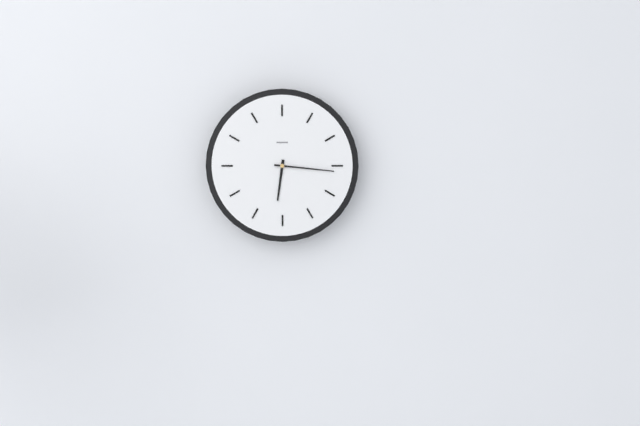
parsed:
6:16
